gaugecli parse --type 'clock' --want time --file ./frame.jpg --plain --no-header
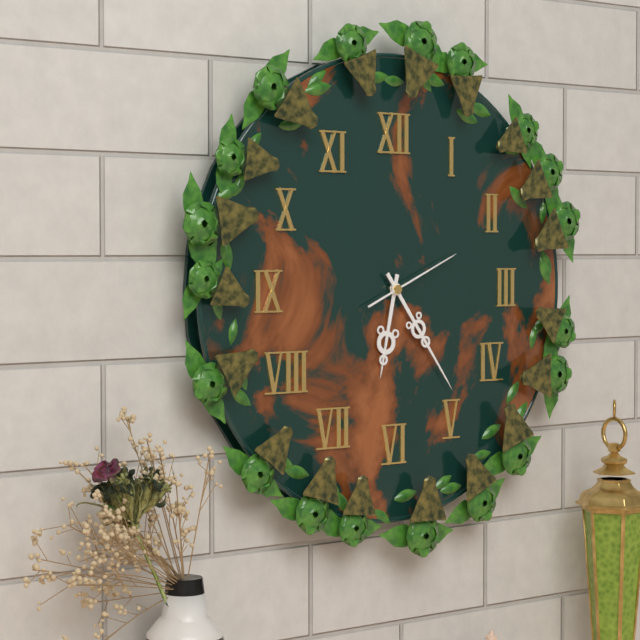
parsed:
6:24:11
